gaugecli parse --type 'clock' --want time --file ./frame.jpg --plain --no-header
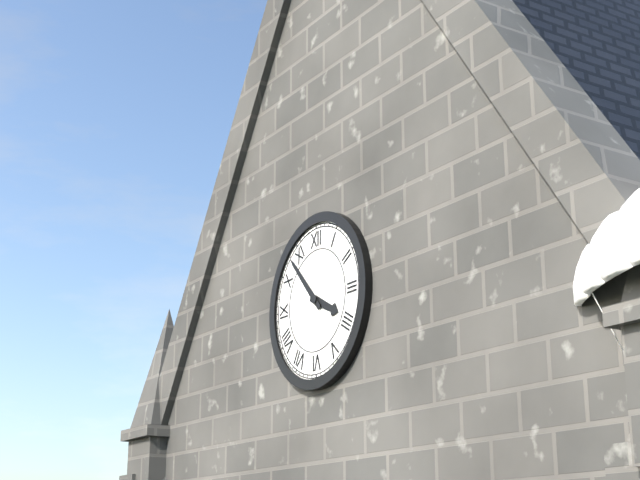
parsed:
3:53
